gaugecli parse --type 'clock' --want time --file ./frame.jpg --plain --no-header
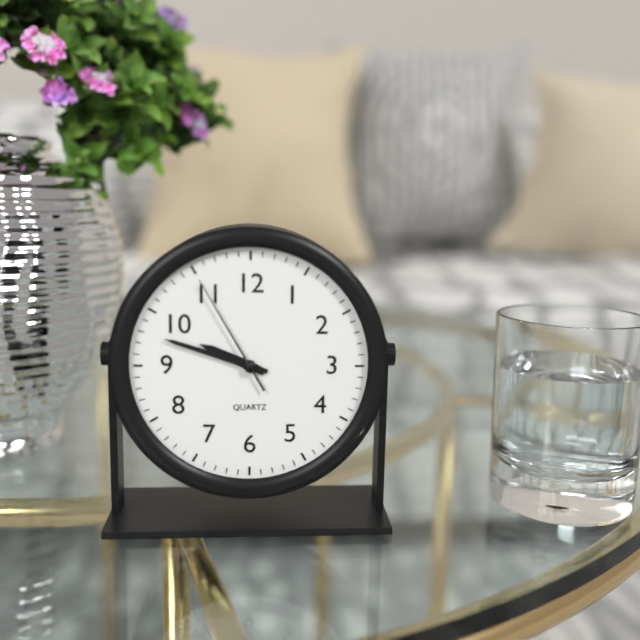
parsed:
9:48:55
